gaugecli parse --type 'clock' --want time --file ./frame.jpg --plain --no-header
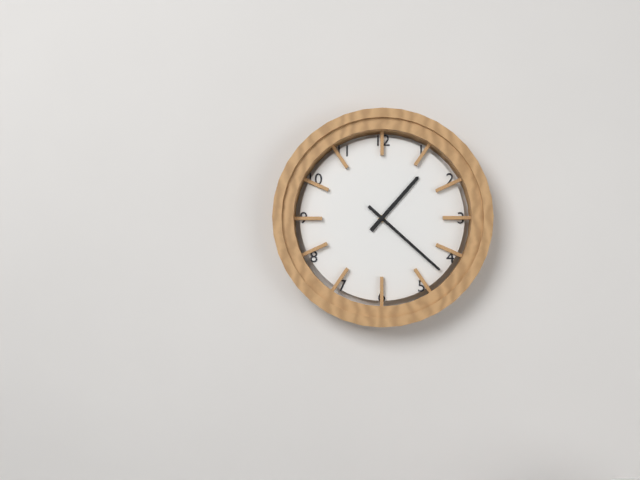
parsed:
1:22
